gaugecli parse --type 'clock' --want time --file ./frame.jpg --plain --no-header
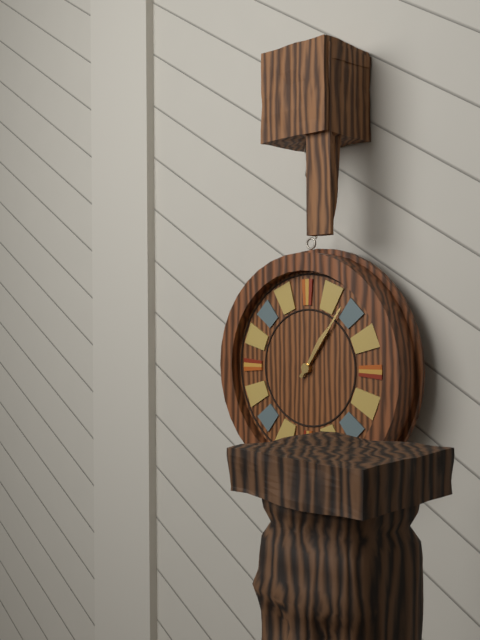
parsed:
1:06
